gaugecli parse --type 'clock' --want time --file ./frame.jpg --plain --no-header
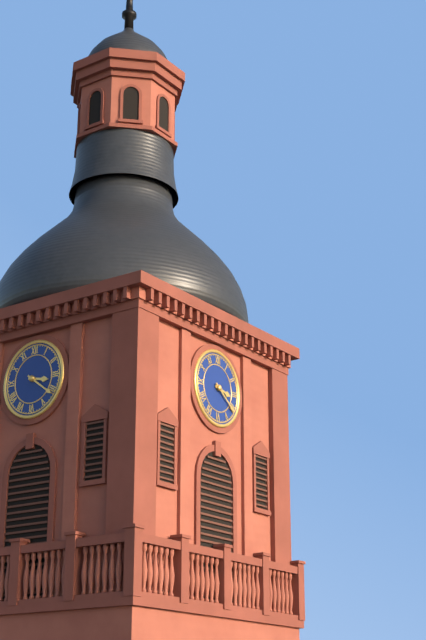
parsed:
3:21
